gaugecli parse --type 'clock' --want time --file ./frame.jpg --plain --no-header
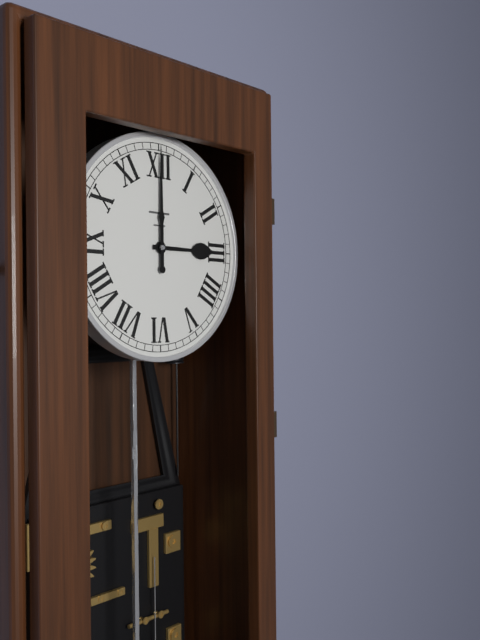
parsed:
3:00
